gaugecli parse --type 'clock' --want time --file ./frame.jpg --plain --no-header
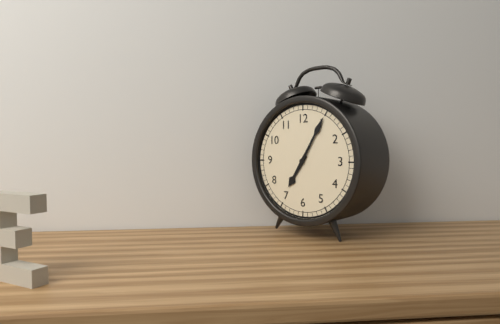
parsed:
7:05
